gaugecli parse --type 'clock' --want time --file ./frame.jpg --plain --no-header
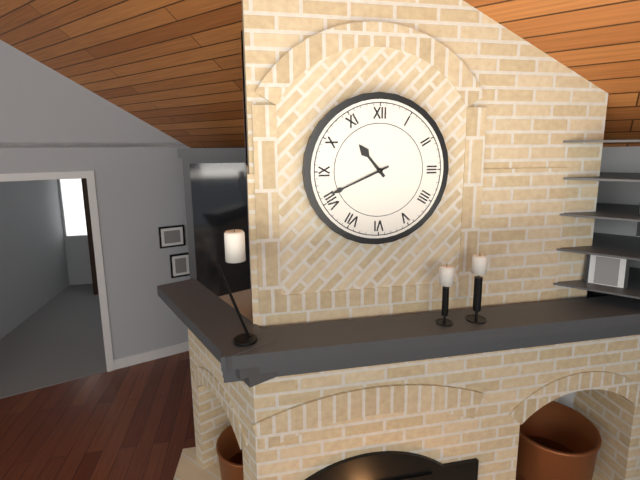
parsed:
10:41
